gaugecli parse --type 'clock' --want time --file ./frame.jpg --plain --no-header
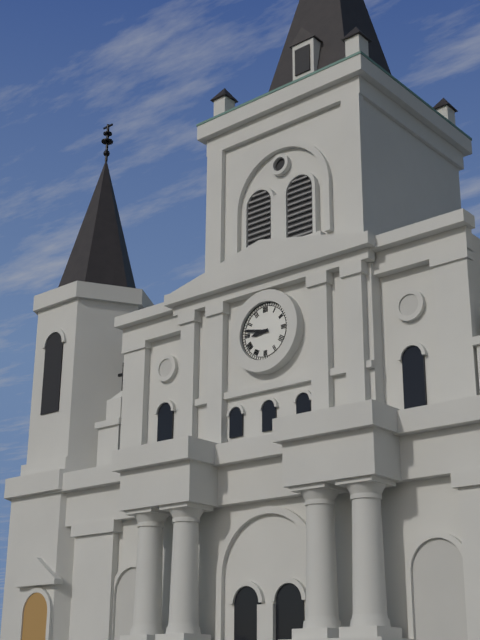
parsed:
8:47
